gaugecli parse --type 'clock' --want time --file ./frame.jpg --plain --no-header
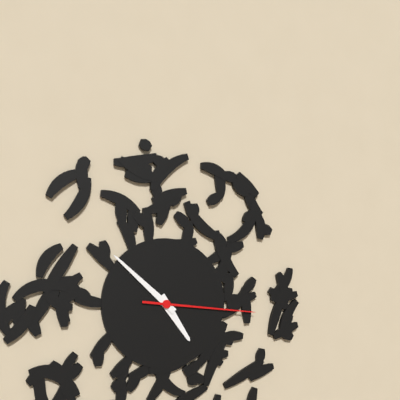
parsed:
4:52:16
